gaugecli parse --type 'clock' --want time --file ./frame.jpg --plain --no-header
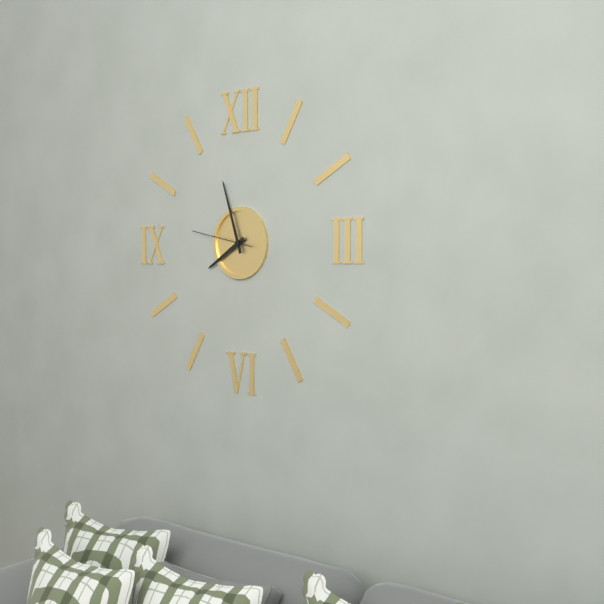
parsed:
7:57:47
